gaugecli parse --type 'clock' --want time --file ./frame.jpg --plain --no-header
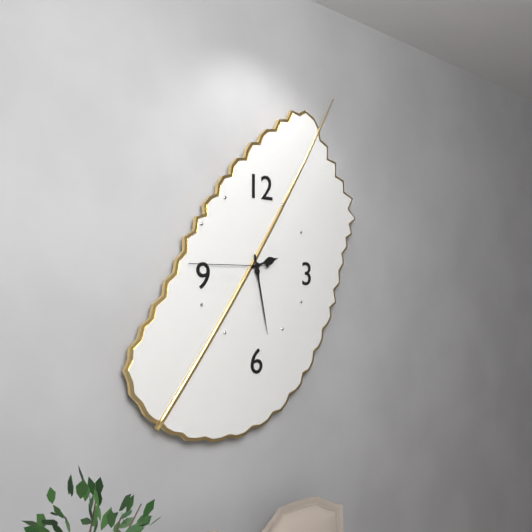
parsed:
2:28:45
